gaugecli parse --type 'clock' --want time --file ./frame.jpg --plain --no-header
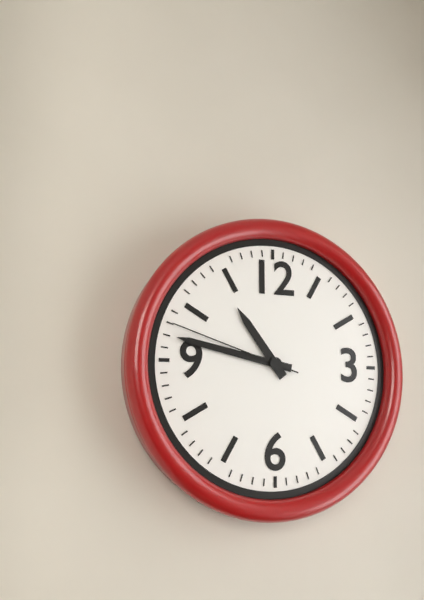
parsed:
10:47:48
